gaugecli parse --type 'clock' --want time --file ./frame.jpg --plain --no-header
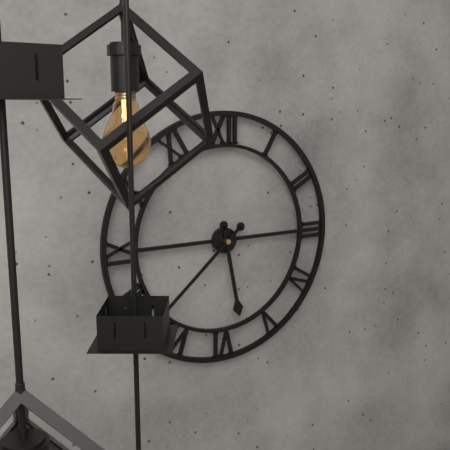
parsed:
5:38
